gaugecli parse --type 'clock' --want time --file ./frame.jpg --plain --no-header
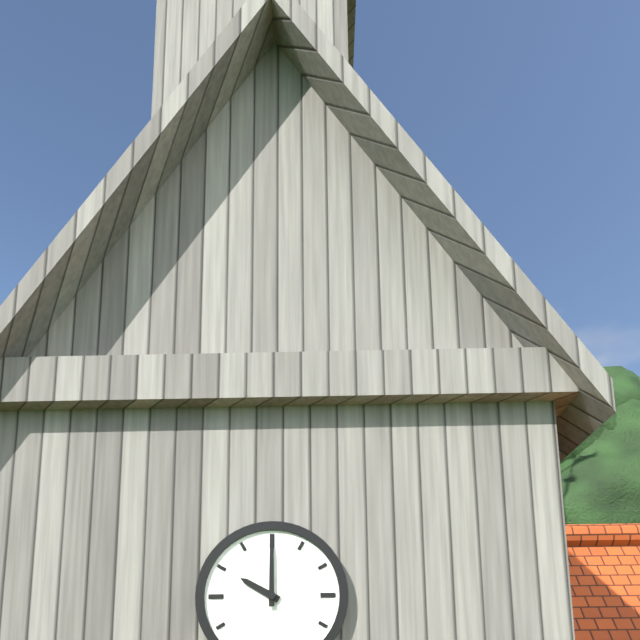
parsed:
10:00
